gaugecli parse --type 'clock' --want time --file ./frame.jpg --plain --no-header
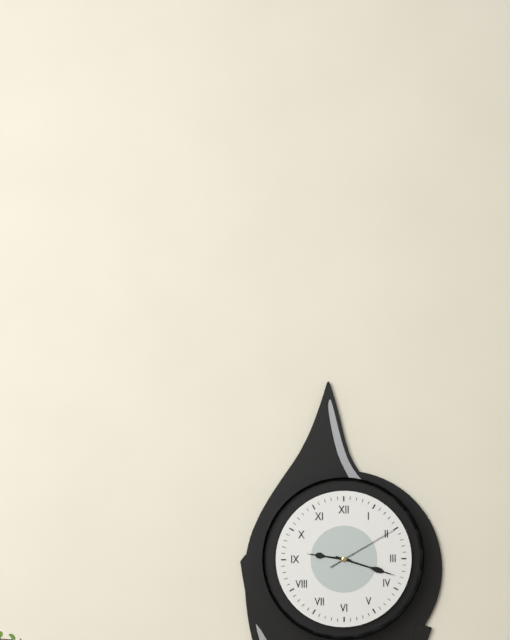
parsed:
9:18:10
